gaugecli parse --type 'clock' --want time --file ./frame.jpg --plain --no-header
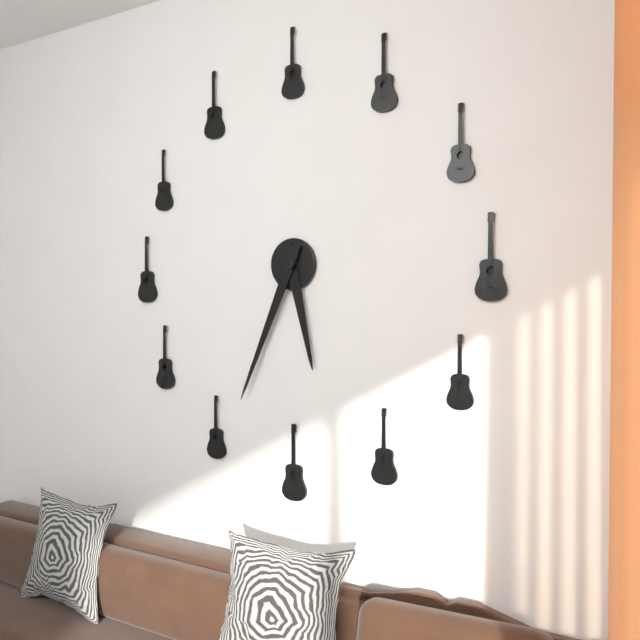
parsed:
5:34
